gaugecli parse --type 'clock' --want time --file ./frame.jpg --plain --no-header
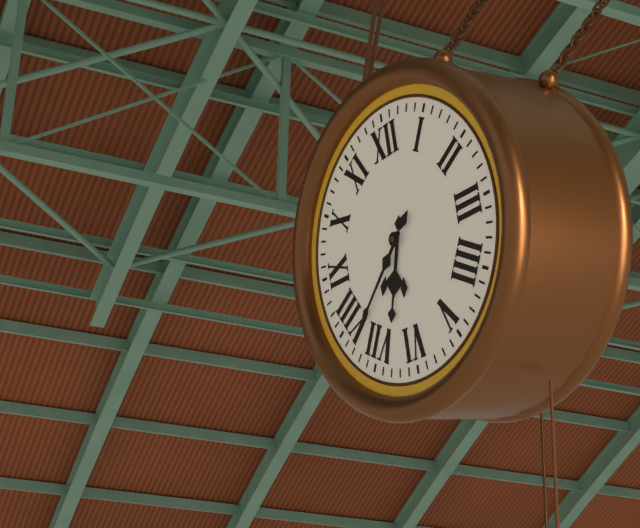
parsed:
6:38
